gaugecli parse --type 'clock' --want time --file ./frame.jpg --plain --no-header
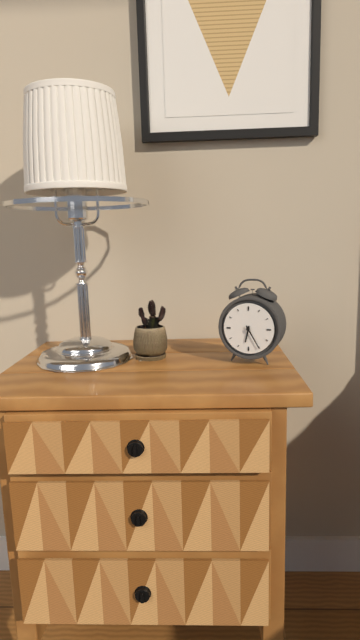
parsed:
6:25
